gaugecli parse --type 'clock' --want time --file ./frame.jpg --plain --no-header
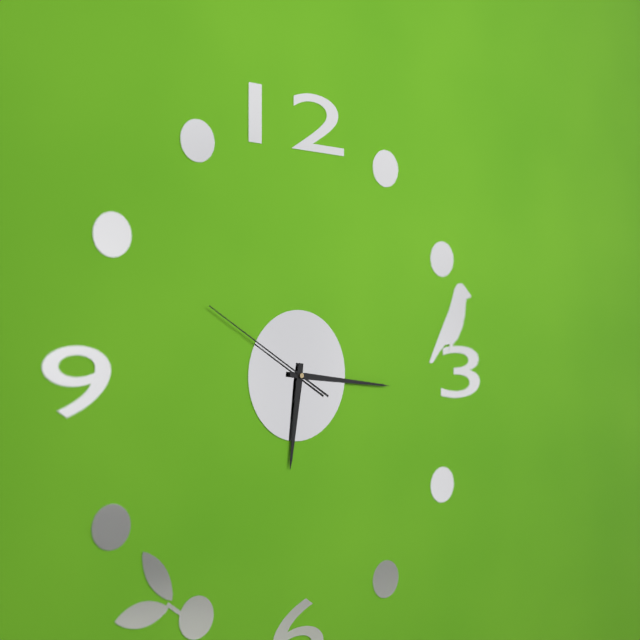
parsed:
6:16:50
